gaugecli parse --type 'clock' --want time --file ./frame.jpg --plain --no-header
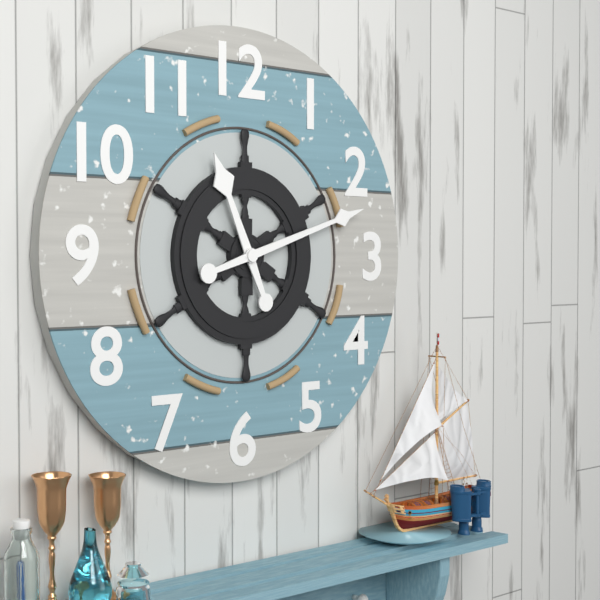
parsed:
11:12
